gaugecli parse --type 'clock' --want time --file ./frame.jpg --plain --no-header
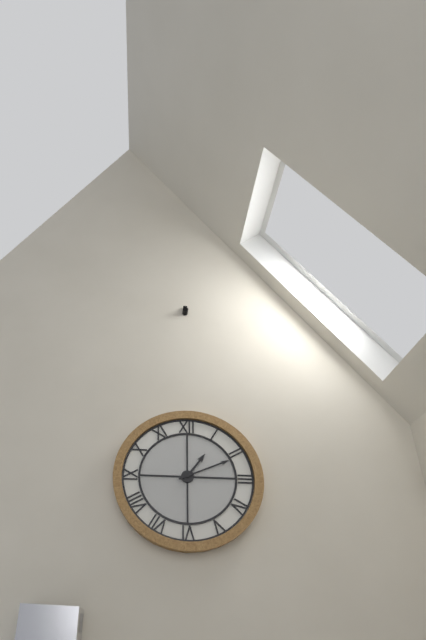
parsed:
1:11
